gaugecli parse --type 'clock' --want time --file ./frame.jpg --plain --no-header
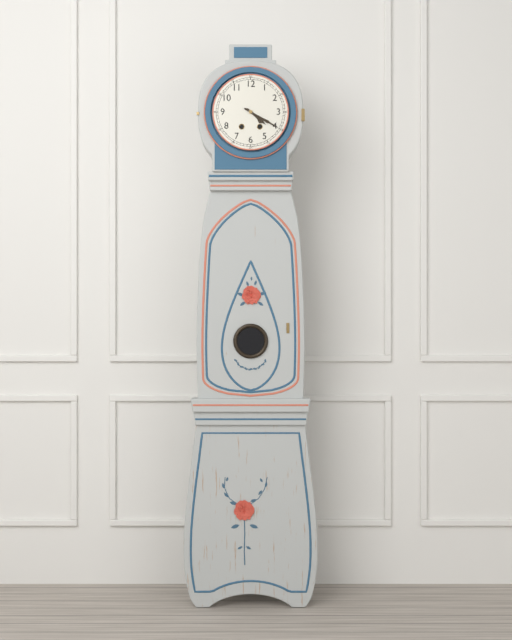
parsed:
4:20
